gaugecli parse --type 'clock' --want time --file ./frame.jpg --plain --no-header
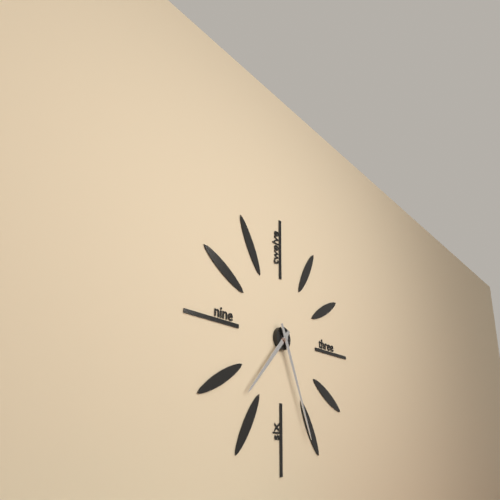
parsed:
7:26
